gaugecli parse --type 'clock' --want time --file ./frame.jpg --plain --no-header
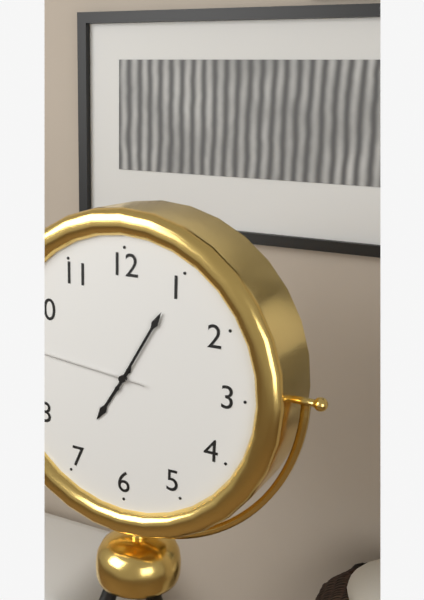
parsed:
7:05:46
